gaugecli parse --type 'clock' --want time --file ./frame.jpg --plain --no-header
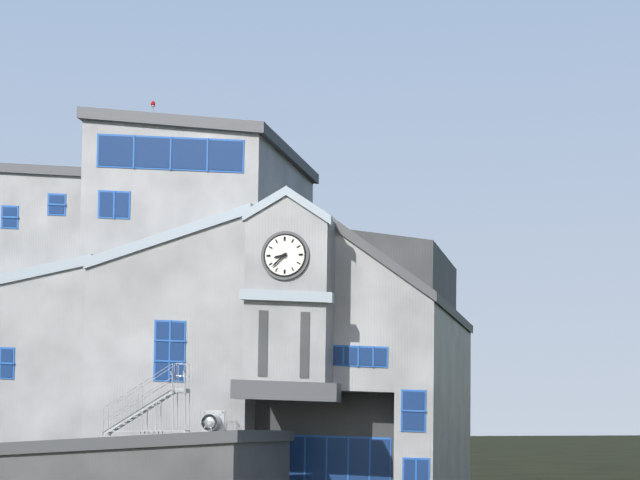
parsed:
8:38
